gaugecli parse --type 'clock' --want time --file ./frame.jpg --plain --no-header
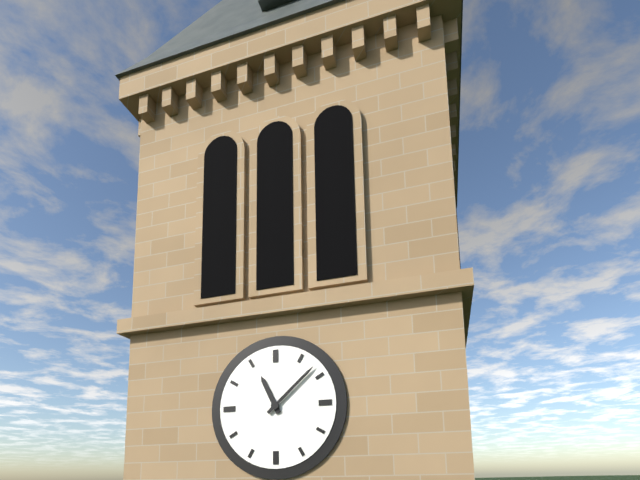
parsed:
11:08
